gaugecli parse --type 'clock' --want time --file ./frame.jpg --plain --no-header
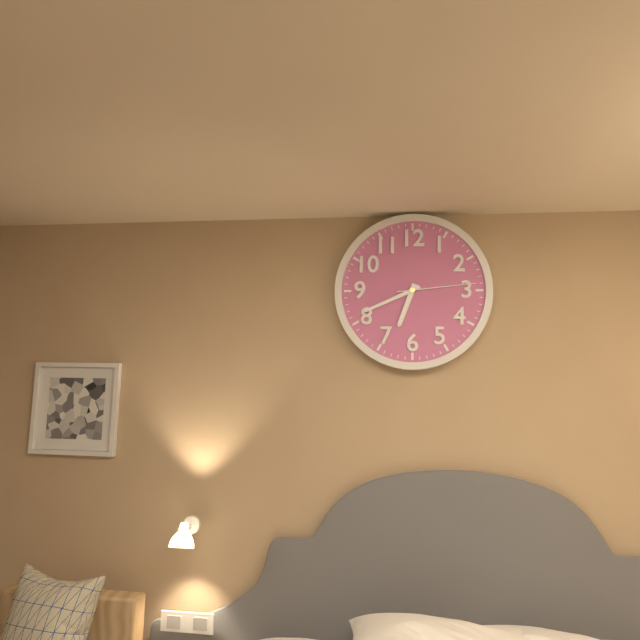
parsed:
6:41:14
